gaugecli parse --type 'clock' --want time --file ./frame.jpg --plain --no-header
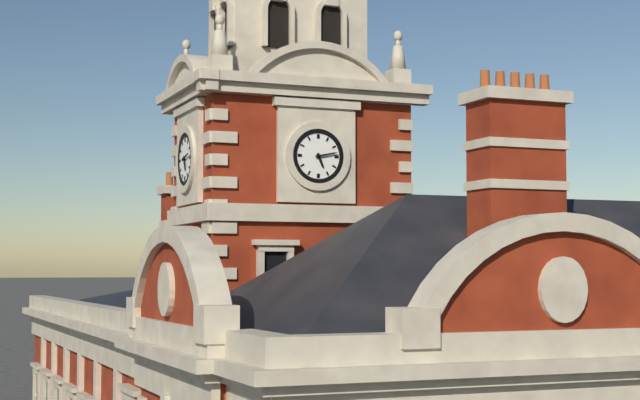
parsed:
5:13
